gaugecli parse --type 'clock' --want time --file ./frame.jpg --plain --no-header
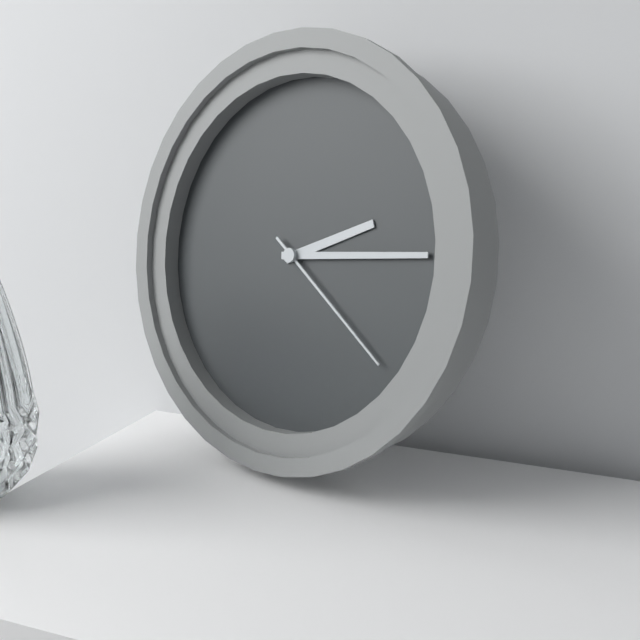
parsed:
2:14:21
